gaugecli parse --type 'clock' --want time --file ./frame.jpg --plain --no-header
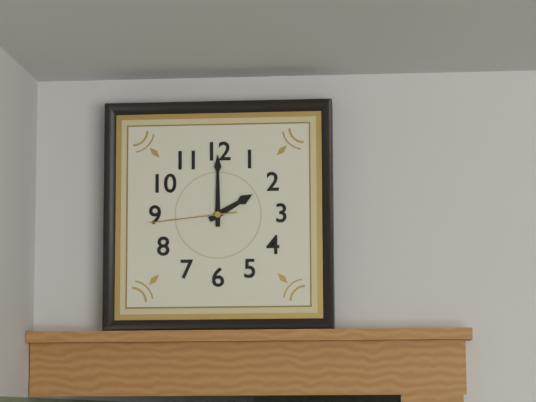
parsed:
2:00:44
